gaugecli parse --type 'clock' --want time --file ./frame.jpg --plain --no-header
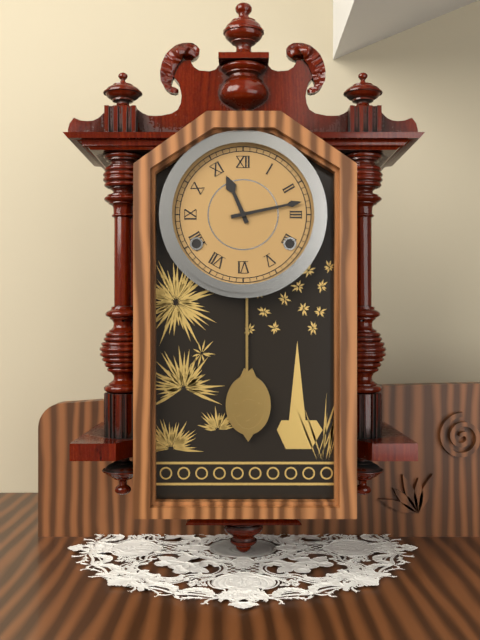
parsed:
11:13
